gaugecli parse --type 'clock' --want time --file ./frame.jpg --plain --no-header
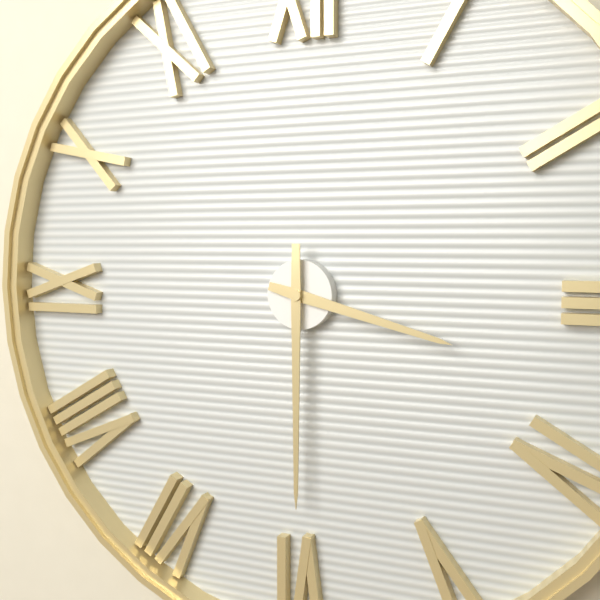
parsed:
3:30
